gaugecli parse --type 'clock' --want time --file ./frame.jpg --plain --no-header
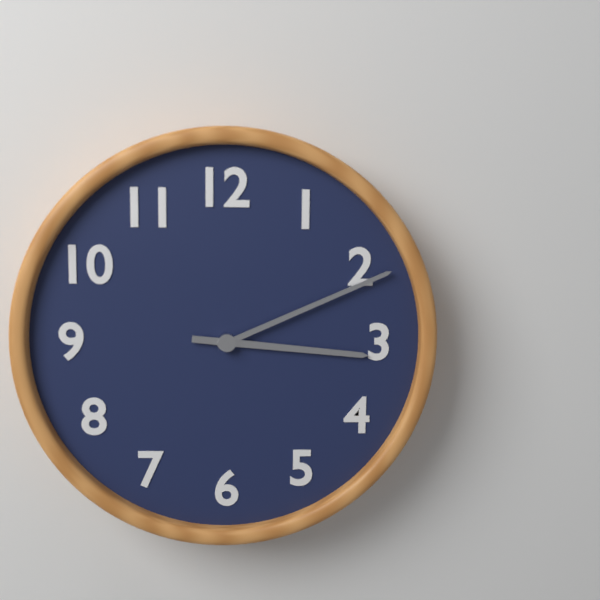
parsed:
3:11
